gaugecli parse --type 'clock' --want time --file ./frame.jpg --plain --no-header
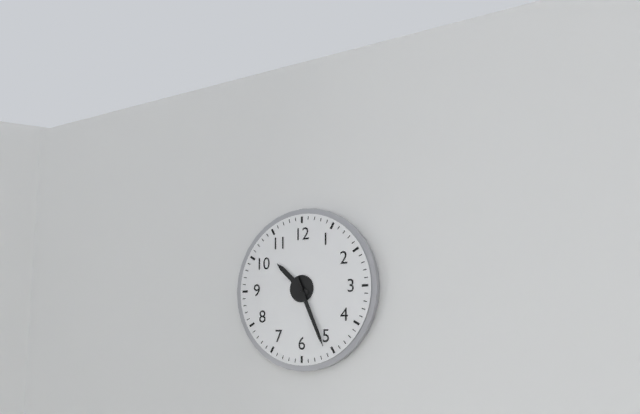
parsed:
10:26
